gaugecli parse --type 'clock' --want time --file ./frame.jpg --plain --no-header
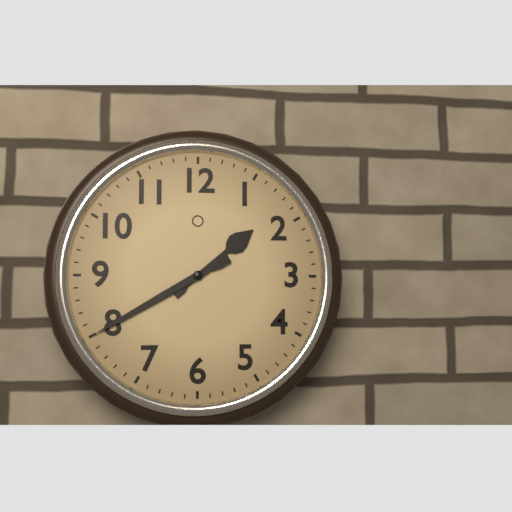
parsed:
1:40
